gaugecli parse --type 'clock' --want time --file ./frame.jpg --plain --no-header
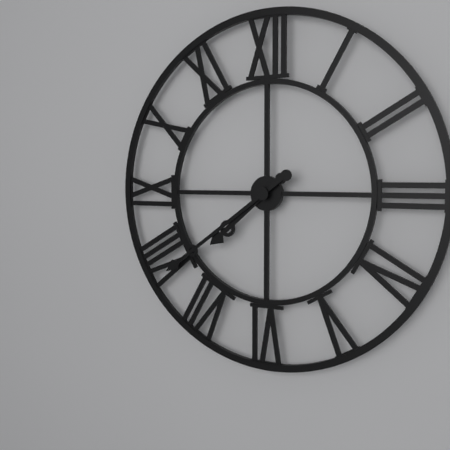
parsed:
7:39
